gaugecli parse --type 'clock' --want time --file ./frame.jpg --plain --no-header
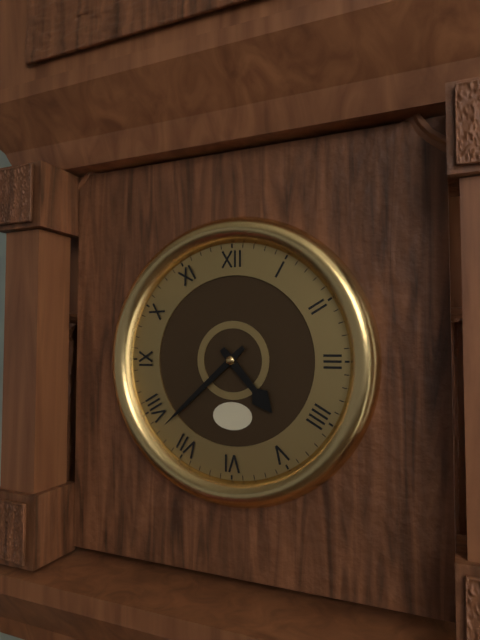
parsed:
4:38
